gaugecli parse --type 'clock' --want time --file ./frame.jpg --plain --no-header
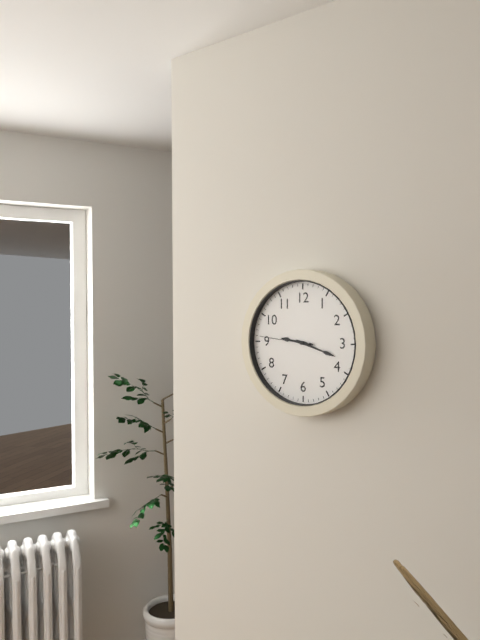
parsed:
9:18:46
